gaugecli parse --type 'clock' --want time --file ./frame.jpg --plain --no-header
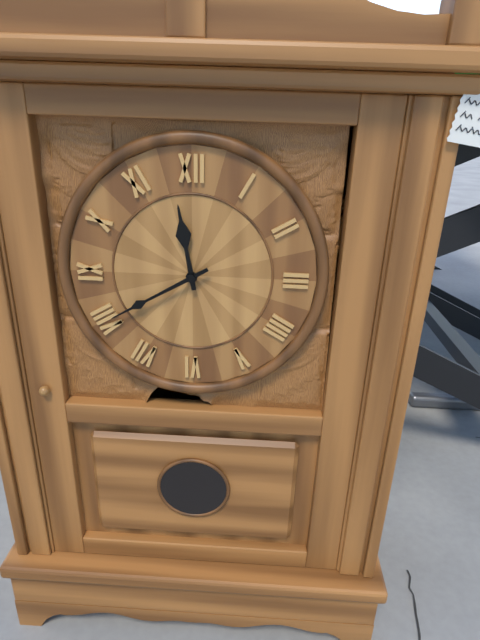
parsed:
11:40
